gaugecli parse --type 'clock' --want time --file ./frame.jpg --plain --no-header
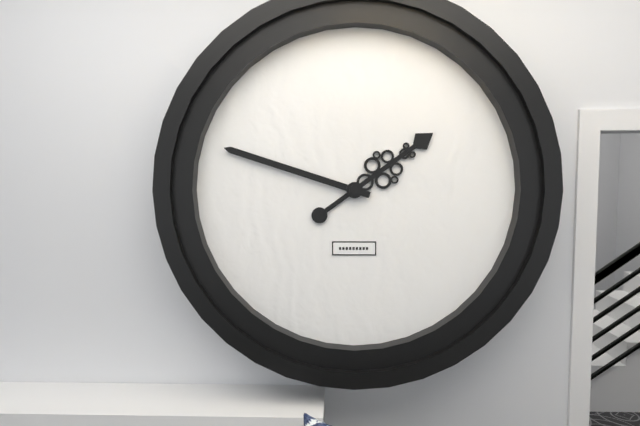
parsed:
1:48
